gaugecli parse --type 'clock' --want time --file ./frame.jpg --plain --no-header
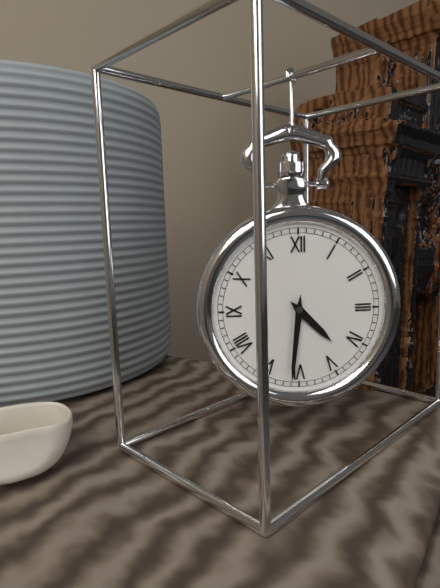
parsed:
4:31
